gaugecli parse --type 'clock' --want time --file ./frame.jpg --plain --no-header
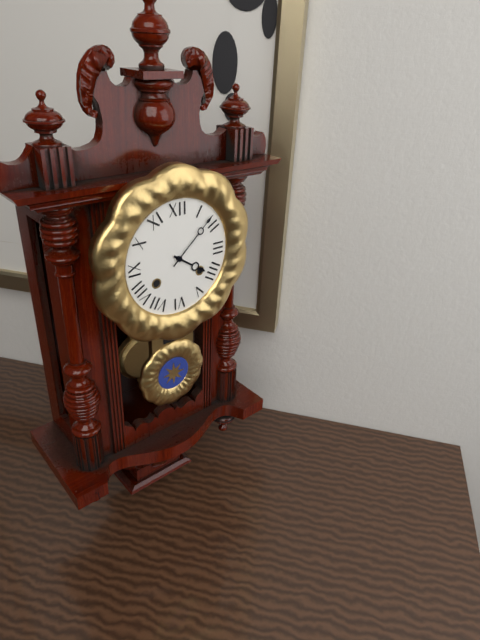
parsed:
4:08
